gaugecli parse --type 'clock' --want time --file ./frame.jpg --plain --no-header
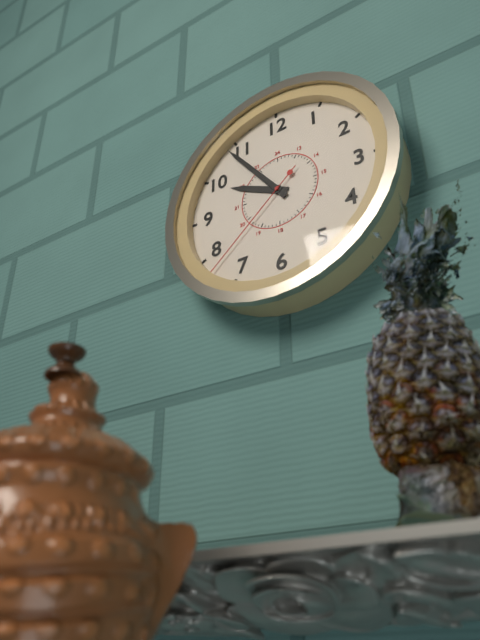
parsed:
9:54:38
